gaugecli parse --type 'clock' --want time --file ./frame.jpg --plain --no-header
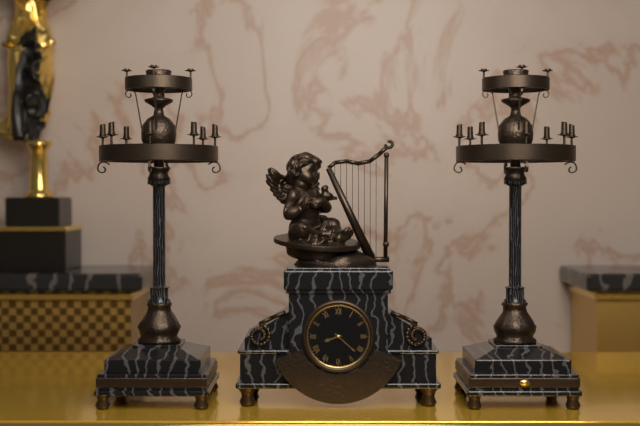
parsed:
8:22
